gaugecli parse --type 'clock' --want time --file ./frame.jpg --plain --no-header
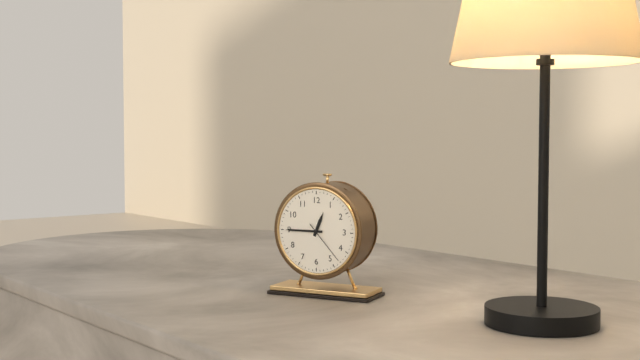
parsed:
12:45
